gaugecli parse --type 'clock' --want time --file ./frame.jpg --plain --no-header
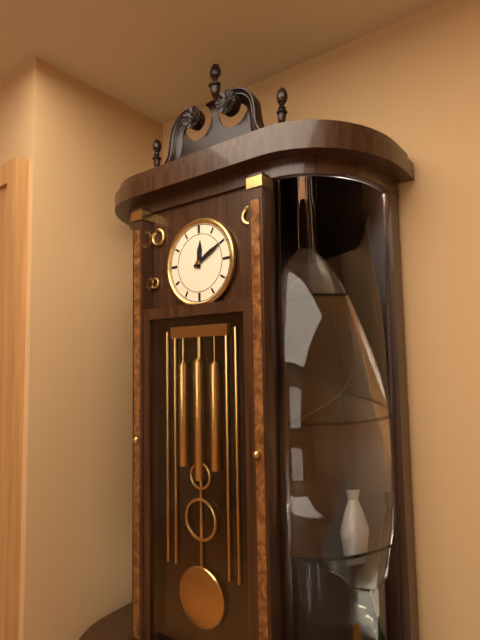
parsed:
12:10
